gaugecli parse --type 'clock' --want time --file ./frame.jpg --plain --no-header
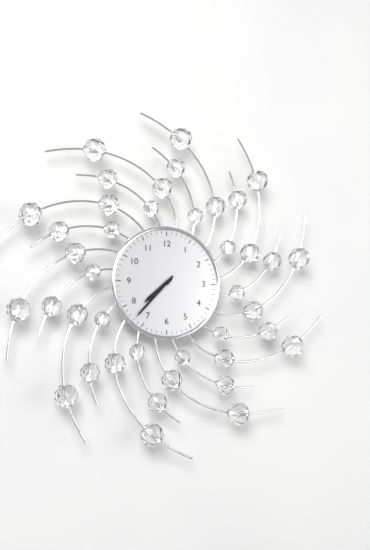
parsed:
7:37
